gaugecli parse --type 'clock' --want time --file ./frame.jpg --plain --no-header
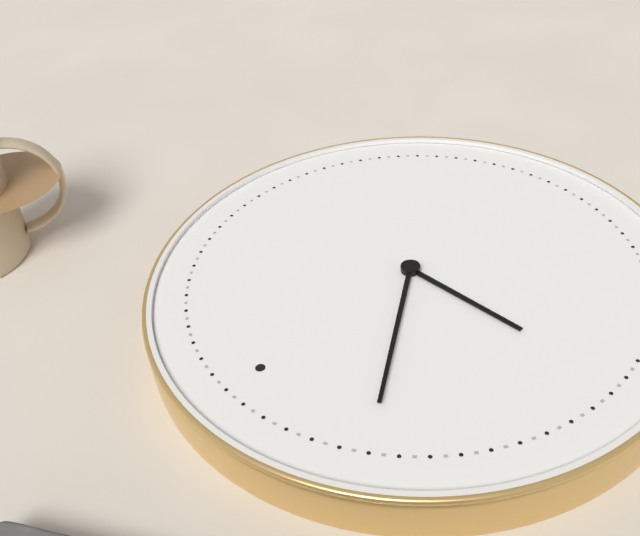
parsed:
8:54
